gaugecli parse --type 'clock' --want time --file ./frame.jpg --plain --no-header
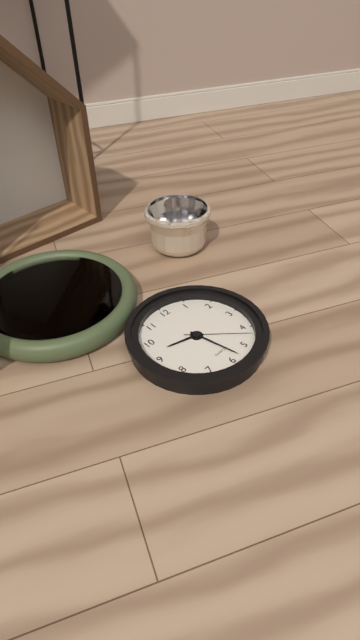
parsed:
9:28:22
